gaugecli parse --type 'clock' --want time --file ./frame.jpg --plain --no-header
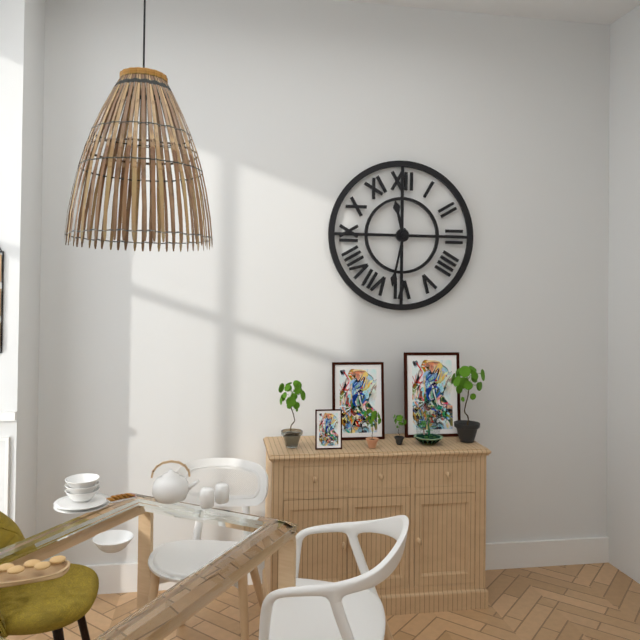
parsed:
11:32
